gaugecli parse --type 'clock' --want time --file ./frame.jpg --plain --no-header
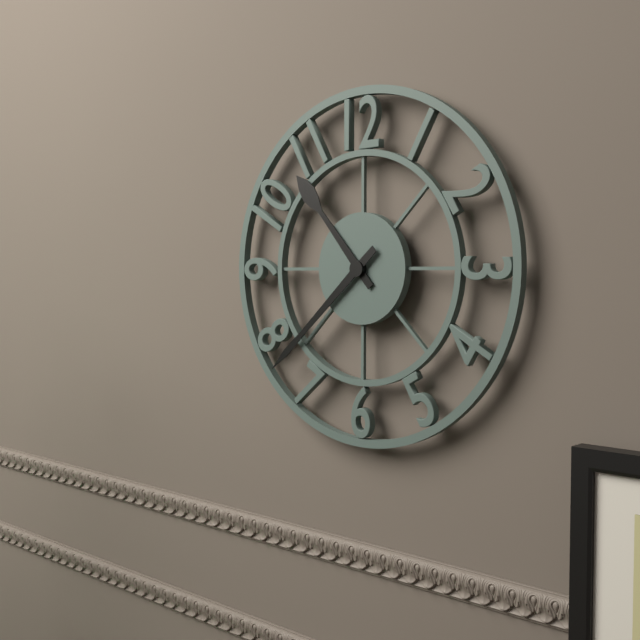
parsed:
10:38
